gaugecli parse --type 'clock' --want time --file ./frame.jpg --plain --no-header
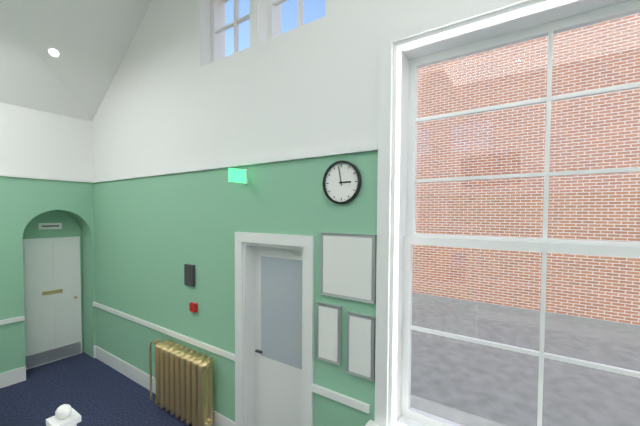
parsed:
2:58
